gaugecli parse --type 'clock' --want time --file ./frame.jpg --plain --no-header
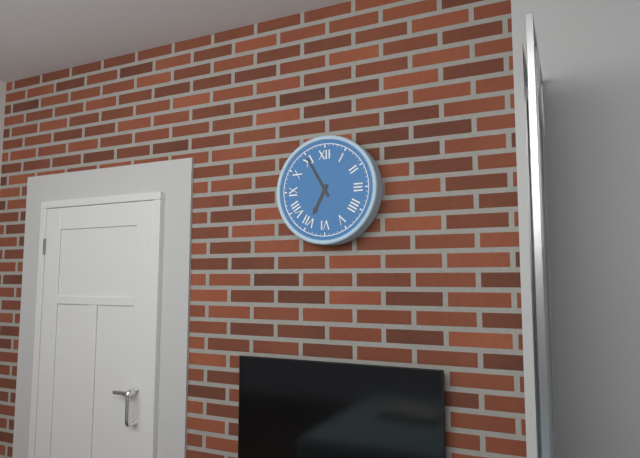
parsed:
6:55
